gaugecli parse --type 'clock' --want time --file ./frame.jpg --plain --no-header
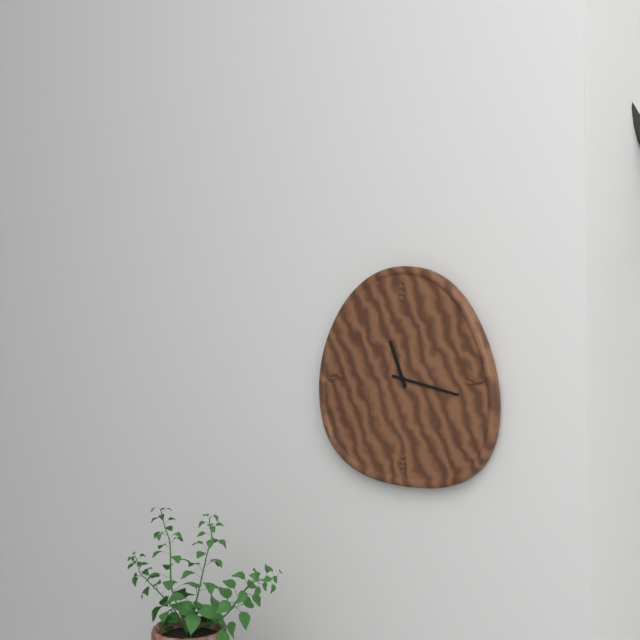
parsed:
11:17
